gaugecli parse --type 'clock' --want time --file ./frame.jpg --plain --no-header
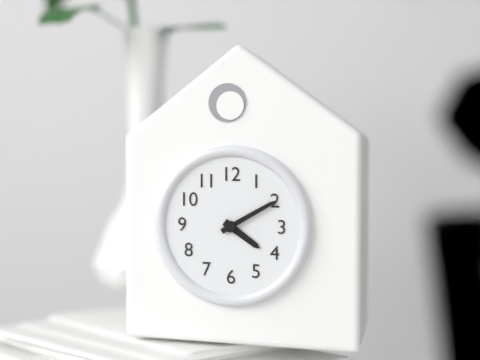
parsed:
4:10
